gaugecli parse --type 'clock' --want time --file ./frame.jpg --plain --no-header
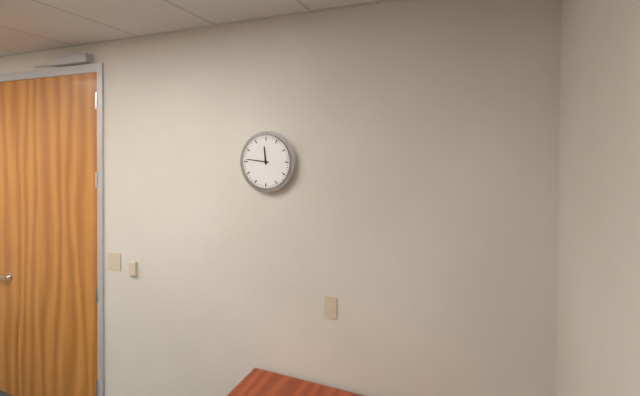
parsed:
11:46
